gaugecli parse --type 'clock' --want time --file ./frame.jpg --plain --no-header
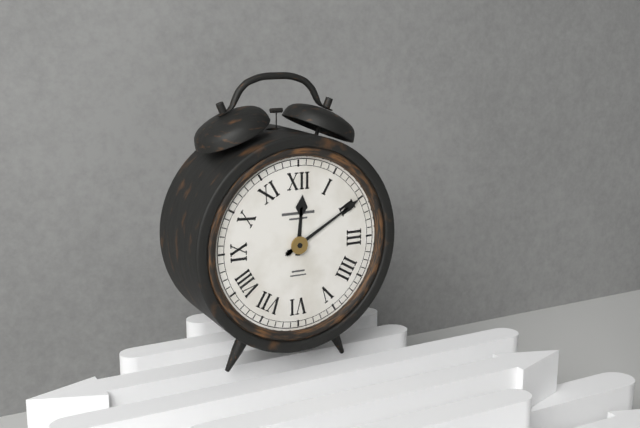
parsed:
12:10
